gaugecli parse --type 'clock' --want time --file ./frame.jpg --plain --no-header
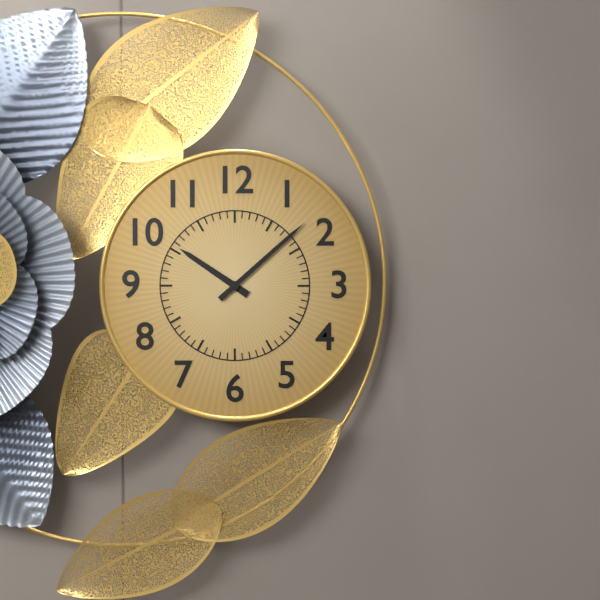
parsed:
10:08
